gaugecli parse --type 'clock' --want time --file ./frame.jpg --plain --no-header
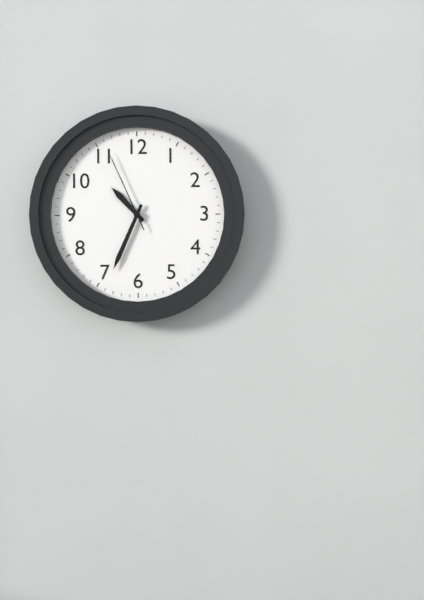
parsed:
10:34:56
